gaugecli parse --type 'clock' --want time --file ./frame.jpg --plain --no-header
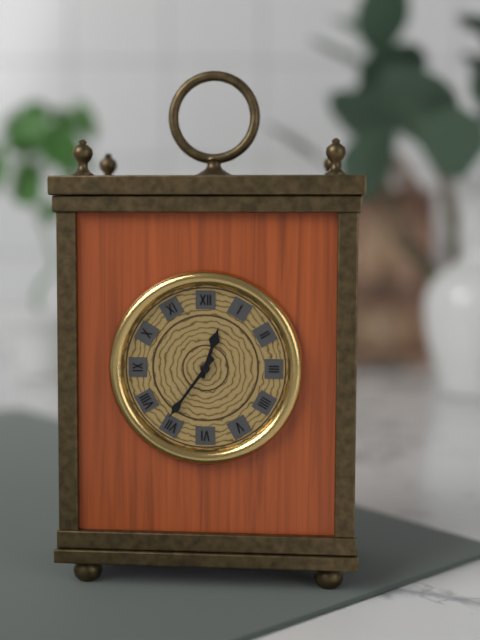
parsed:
12:36
